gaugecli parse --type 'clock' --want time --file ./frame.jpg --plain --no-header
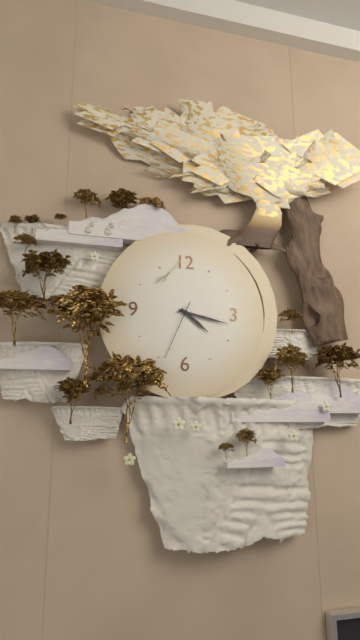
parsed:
4:17:34
